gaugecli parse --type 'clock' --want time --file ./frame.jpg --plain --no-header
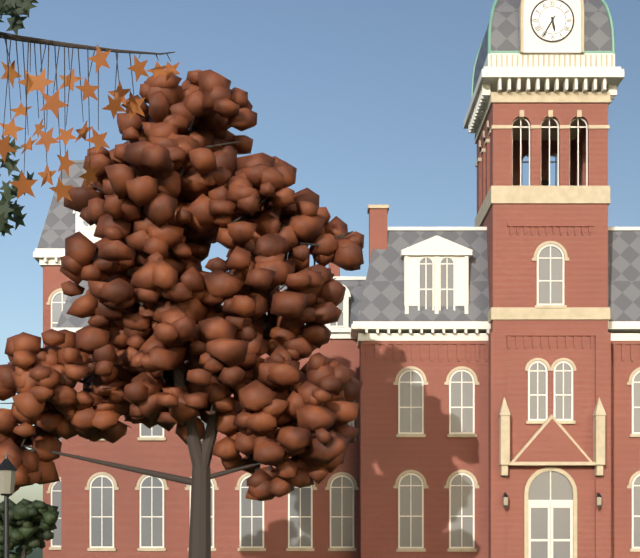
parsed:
5:35
